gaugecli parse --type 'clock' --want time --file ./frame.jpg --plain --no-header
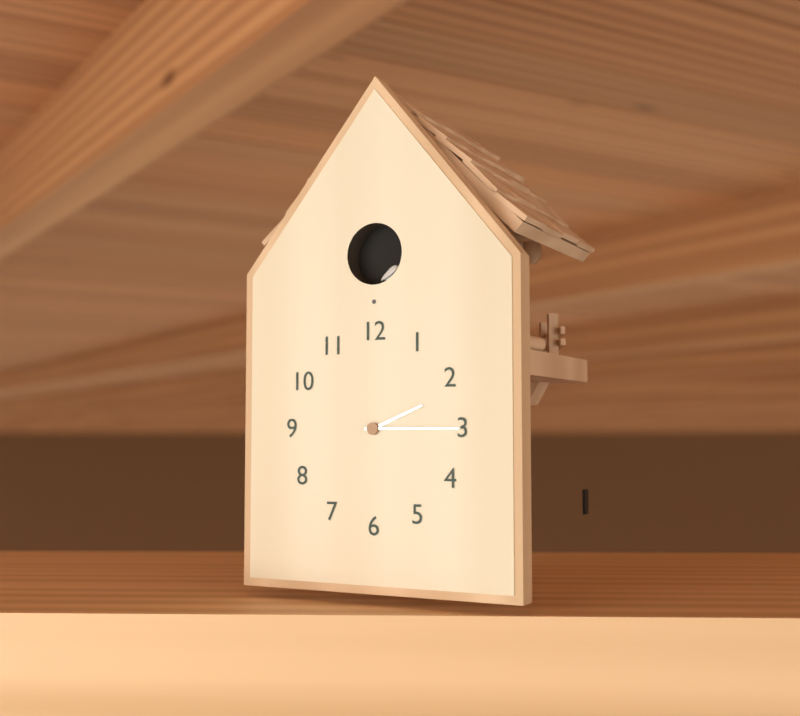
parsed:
2:15
